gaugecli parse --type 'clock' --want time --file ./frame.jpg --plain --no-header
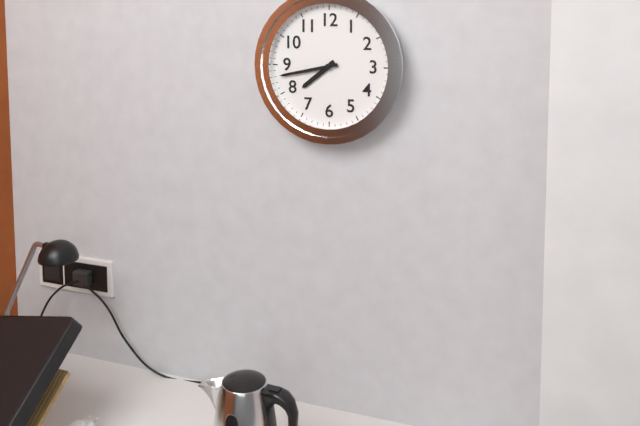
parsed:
7:43
